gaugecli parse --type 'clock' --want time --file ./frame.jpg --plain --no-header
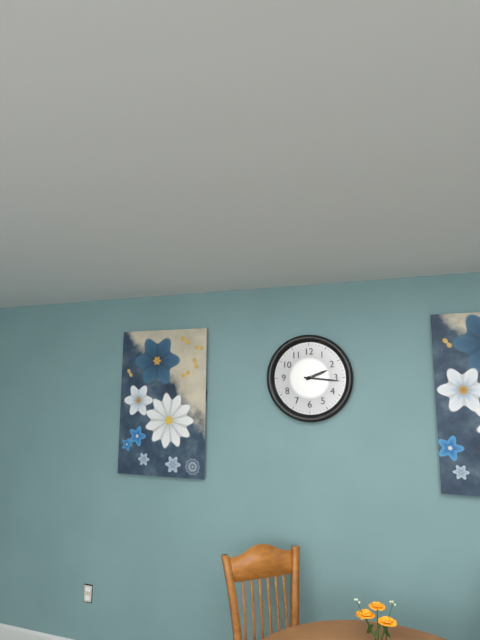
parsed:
2:16
